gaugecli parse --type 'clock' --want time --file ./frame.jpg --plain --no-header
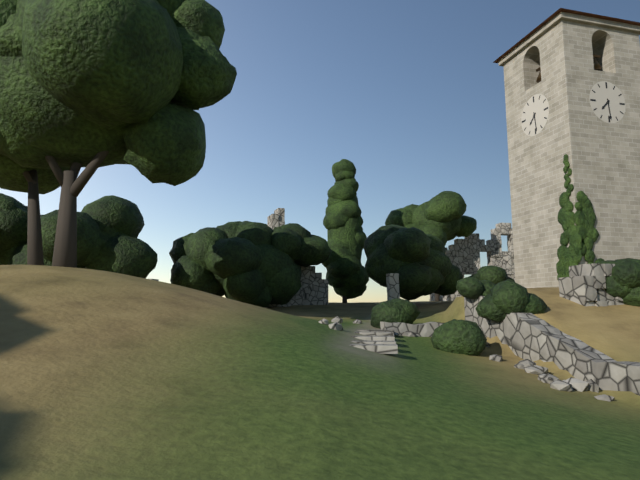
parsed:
7:29
